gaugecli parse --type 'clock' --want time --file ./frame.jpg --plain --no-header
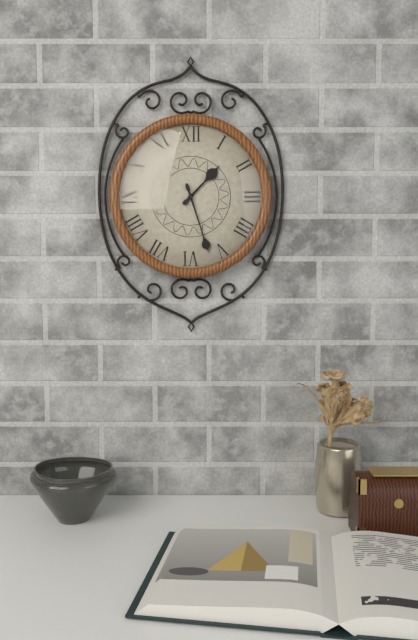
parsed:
1:27
